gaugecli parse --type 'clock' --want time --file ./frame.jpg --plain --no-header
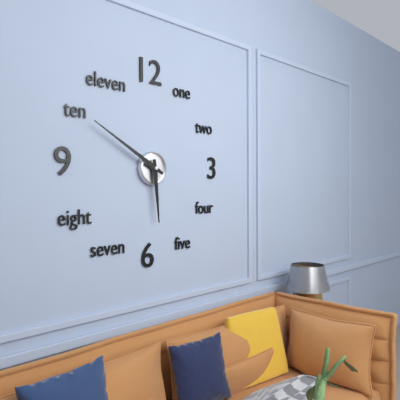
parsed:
5:50
